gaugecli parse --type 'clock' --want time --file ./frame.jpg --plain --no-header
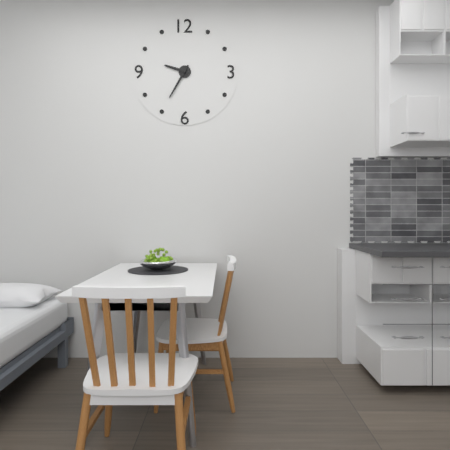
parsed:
9:35
